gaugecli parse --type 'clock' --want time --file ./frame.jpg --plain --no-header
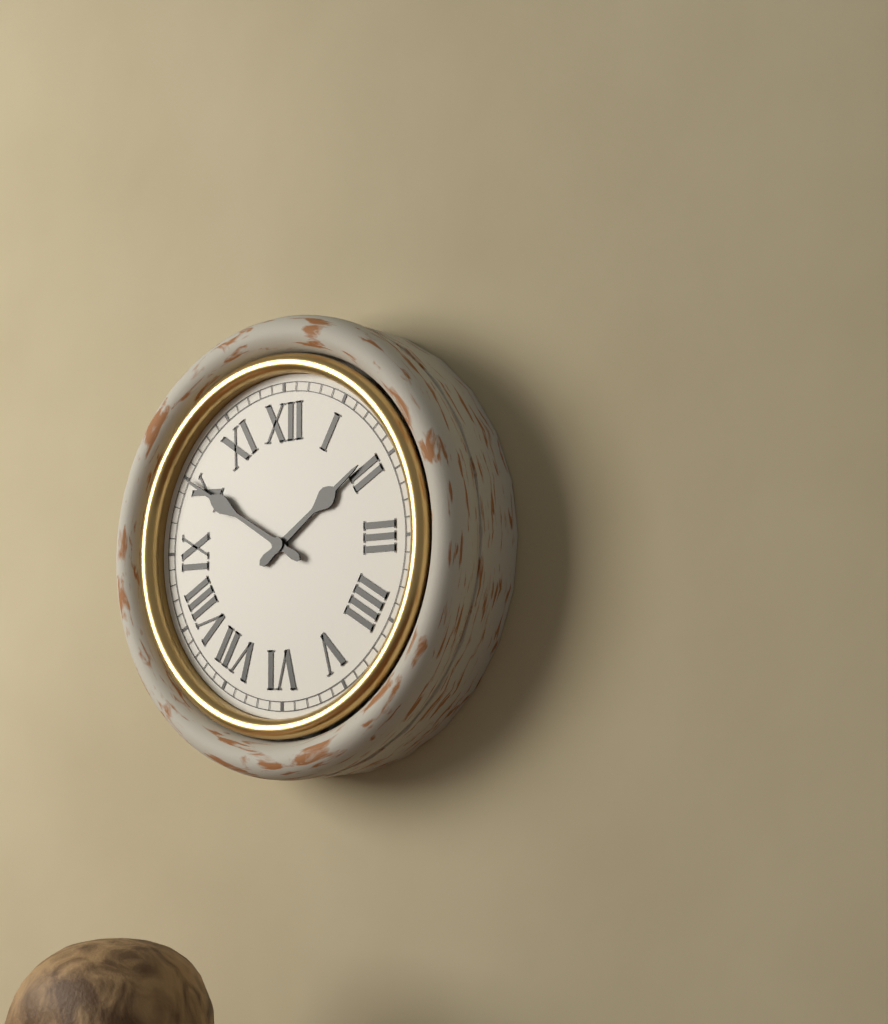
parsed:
1:50
